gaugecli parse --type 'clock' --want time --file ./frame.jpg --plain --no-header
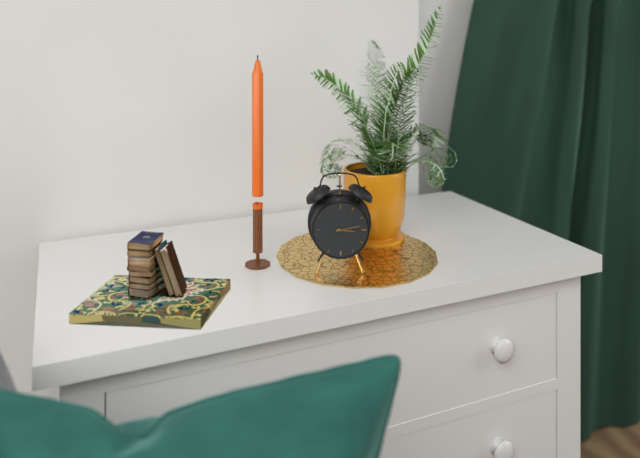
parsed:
3:13
